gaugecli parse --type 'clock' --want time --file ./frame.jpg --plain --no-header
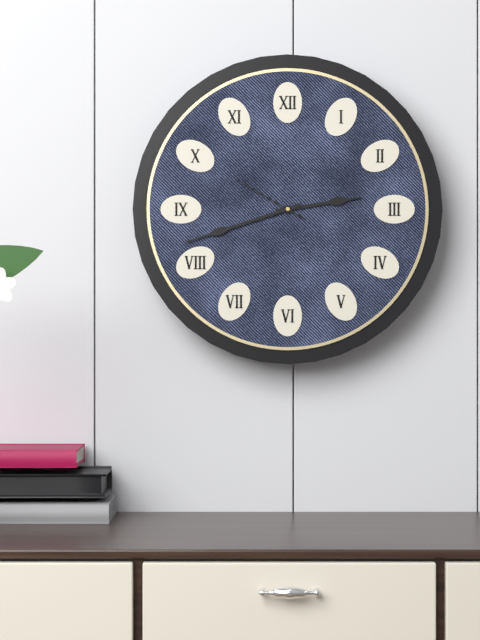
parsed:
2:42:50
